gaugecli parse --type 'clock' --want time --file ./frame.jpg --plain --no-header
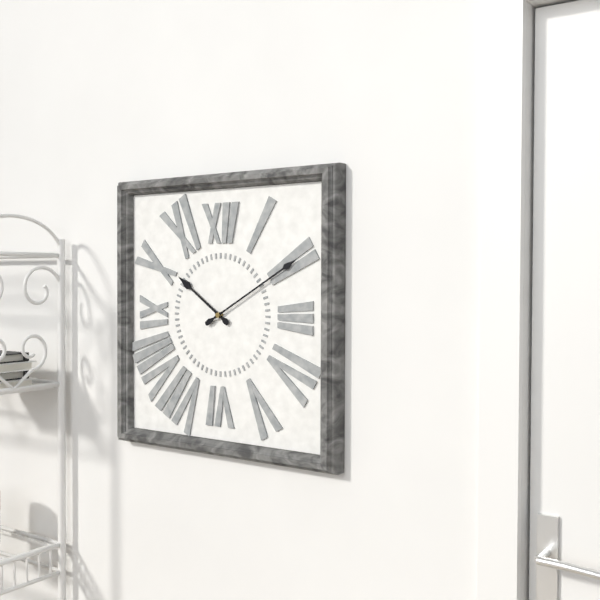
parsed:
10:10
